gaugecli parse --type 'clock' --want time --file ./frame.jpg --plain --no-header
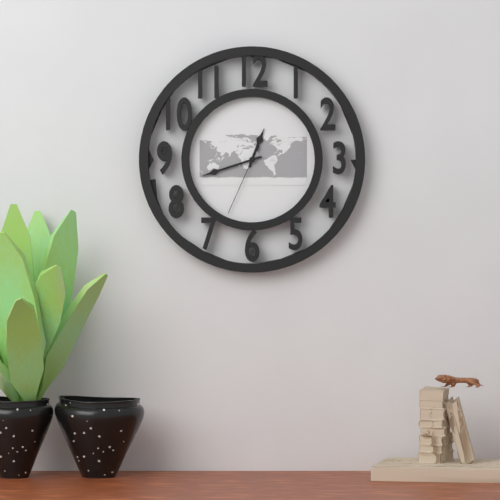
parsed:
12:42:34
